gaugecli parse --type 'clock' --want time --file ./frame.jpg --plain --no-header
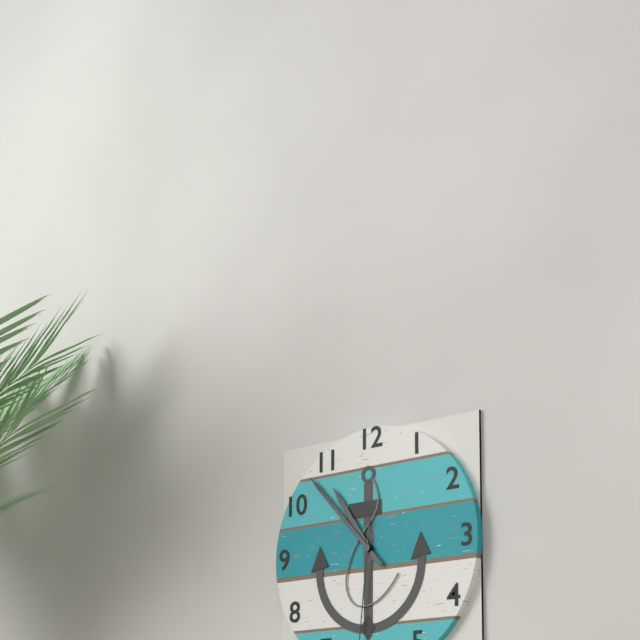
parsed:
10:53
